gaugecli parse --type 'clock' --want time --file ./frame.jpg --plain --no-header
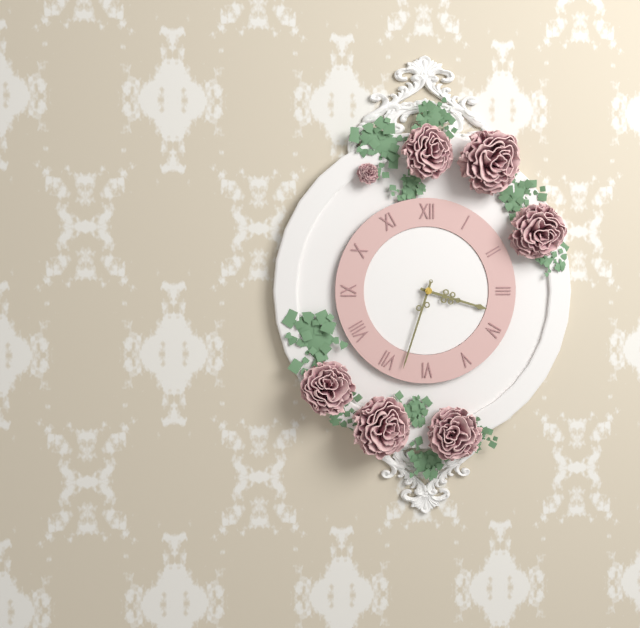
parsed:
3:33
